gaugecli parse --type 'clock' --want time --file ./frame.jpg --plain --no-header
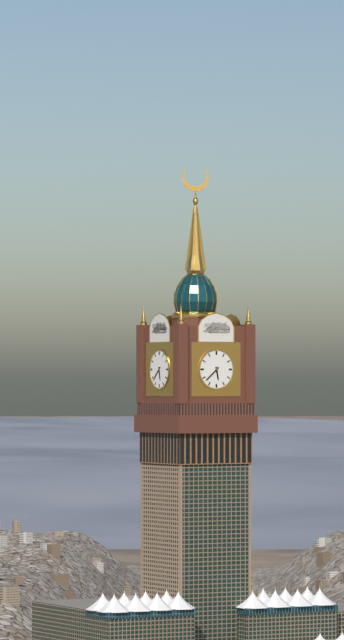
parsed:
5:38
